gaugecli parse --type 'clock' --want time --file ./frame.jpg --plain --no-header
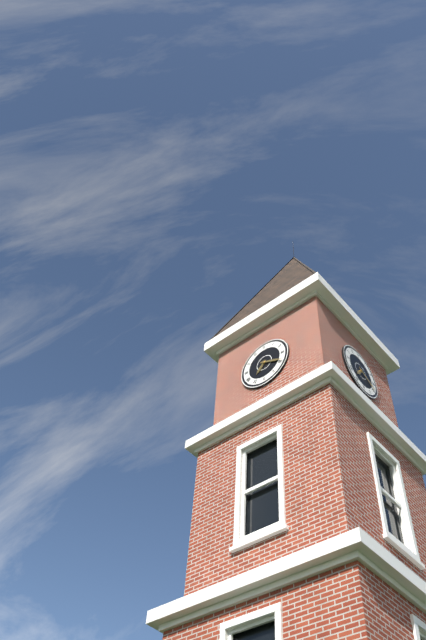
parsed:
7:19
